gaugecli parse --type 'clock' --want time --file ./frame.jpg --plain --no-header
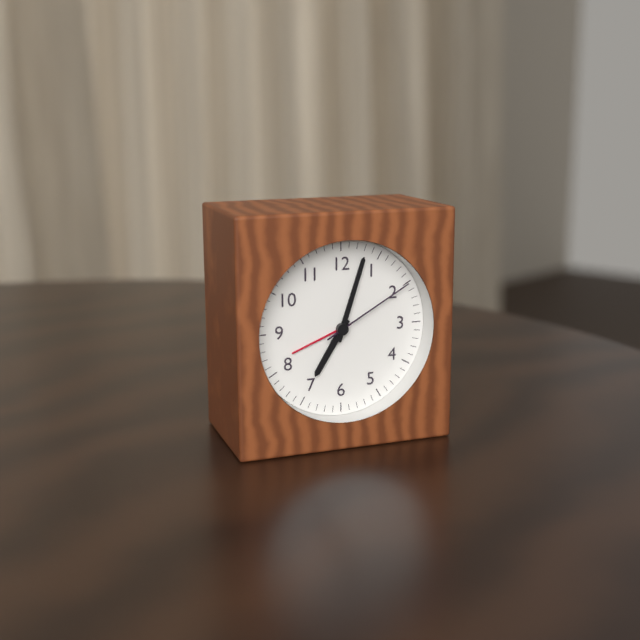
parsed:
7:03:10
